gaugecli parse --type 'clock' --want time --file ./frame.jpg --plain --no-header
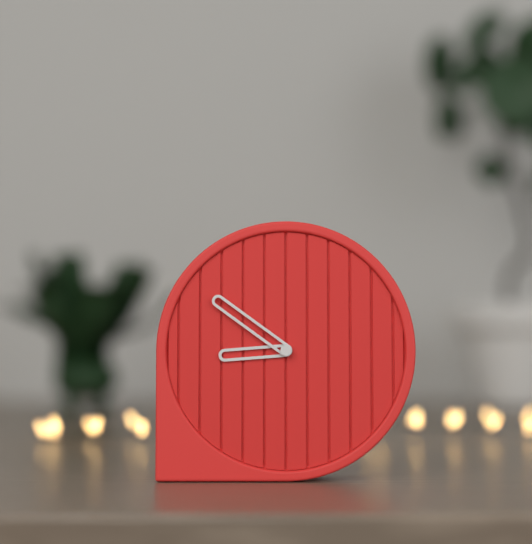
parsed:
8:51
